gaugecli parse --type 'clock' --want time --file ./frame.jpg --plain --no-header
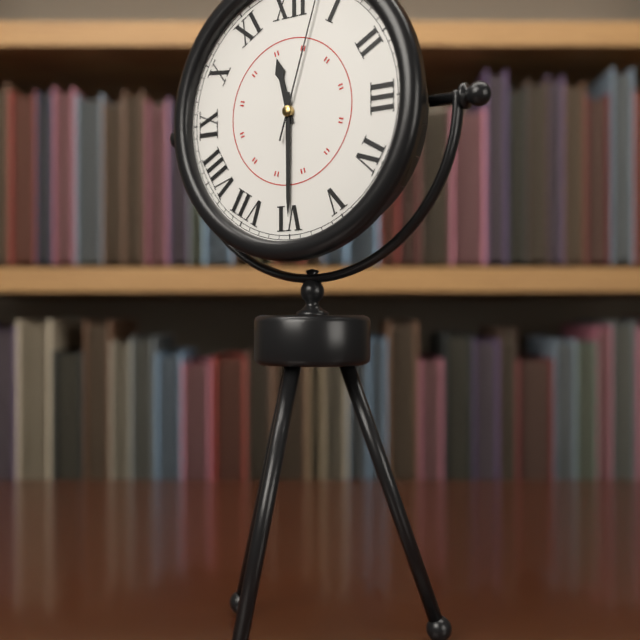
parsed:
11:30
